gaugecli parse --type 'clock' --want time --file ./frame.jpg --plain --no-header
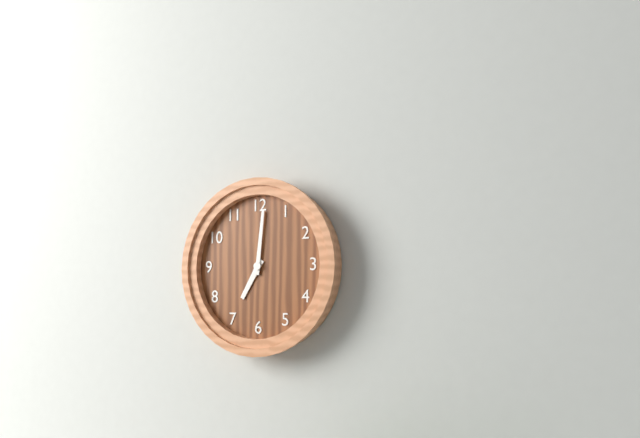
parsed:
7:01
